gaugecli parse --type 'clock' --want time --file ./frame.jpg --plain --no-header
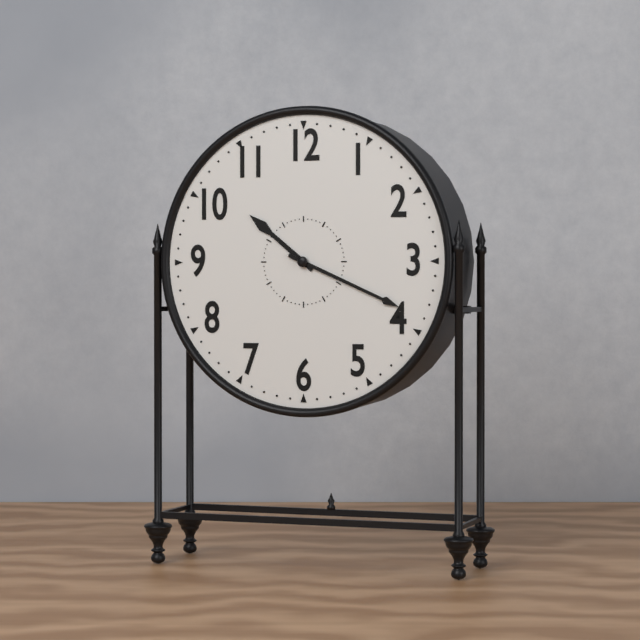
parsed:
10:19
